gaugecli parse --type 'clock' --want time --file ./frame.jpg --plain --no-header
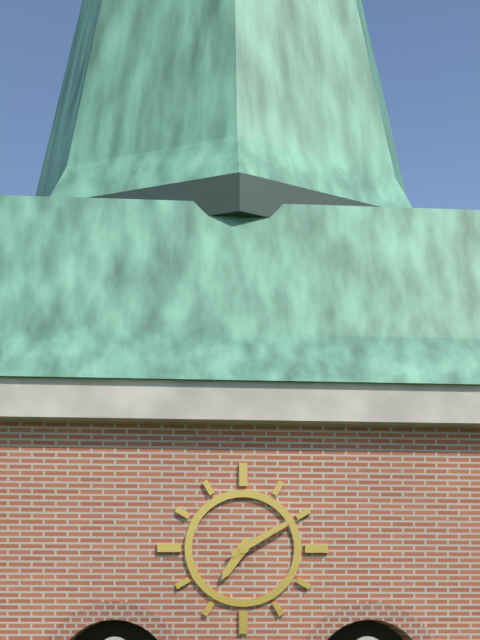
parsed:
7:10
